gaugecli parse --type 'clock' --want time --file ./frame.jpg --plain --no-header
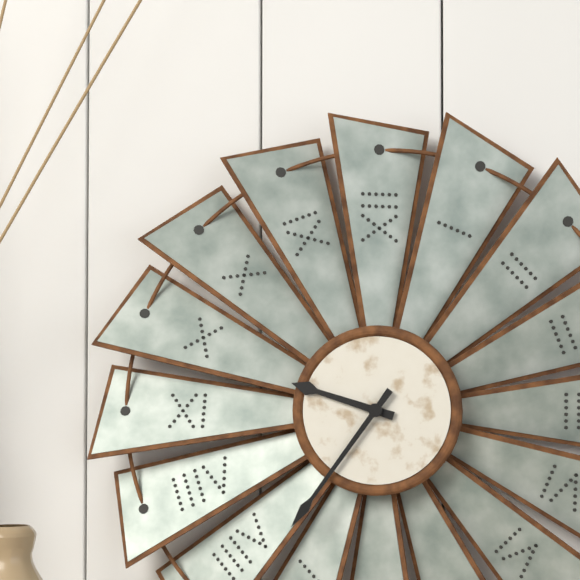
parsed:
9:36
